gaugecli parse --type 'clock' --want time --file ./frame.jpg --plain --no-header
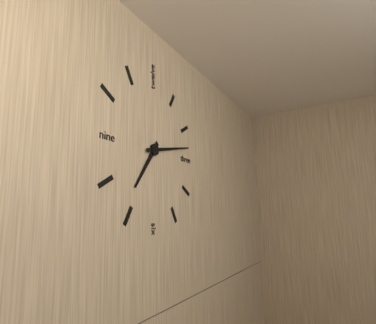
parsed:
7:13
